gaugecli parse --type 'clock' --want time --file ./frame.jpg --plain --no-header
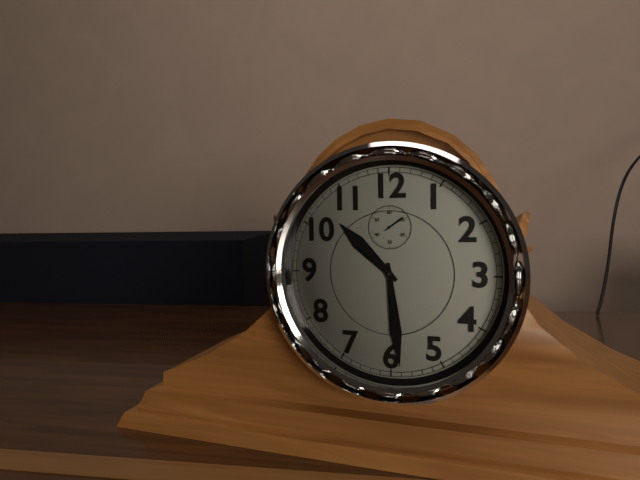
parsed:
10:29
